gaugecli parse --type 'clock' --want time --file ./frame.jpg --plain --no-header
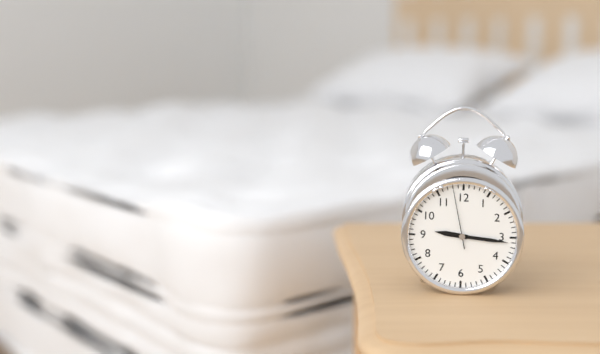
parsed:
9:16:58
